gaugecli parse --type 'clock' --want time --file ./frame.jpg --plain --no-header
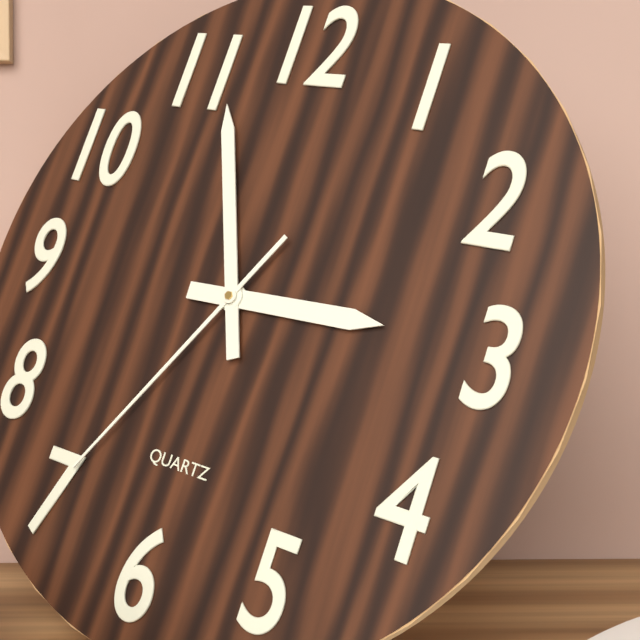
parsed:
2:56:35
